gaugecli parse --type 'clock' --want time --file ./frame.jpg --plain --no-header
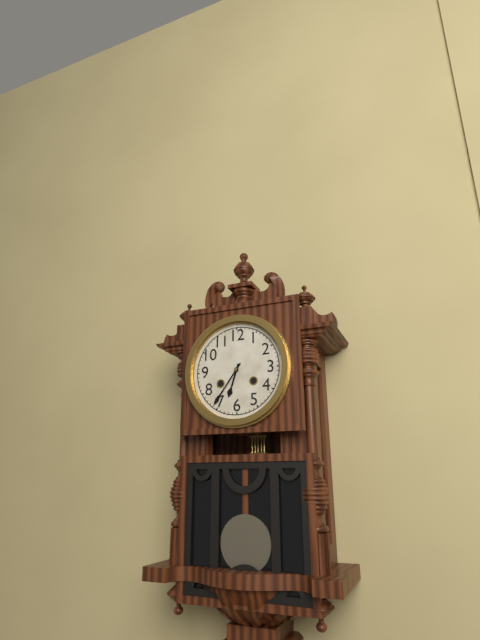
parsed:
6:36
